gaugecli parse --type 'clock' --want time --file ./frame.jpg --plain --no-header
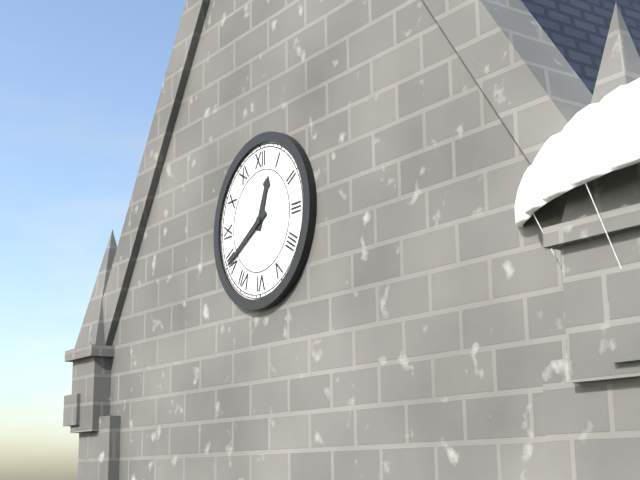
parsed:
12:40
